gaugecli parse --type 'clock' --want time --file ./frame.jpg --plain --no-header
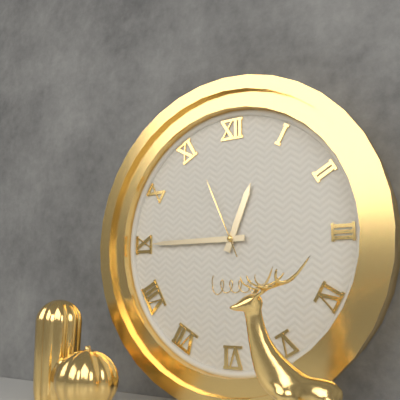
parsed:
12:45:56
